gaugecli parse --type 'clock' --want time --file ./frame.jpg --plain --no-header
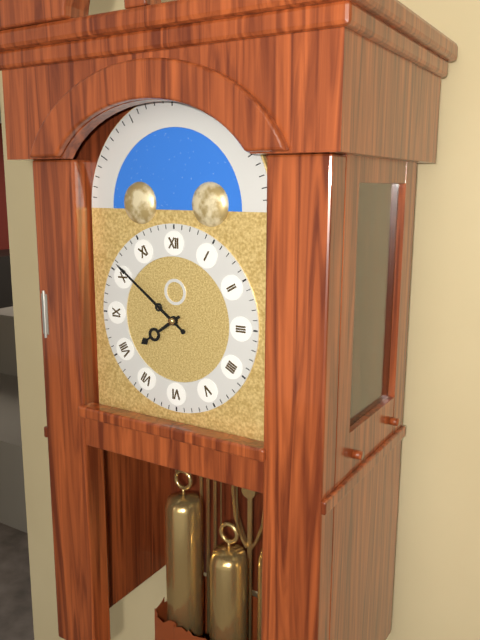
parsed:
7:51
